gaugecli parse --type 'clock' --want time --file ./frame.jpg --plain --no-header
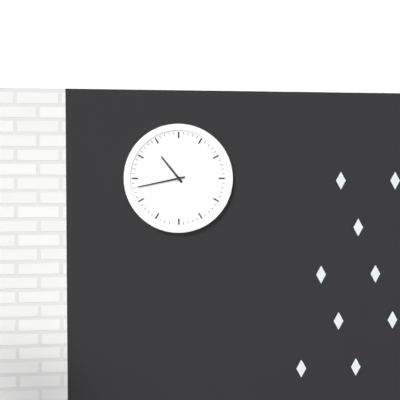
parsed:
10:43
